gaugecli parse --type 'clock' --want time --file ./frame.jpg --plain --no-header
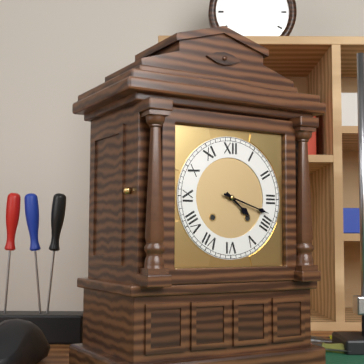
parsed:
4:18
